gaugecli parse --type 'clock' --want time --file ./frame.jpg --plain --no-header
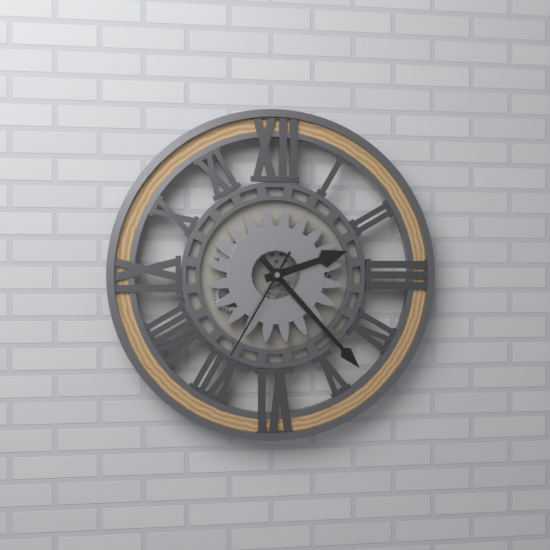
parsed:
2:23:35
